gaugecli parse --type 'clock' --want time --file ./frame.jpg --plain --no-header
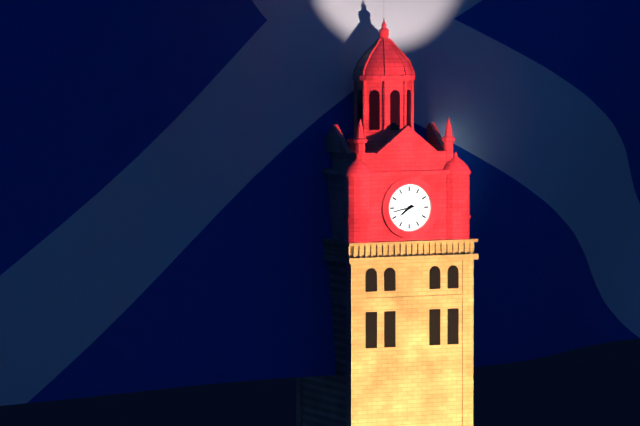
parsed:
7:43
